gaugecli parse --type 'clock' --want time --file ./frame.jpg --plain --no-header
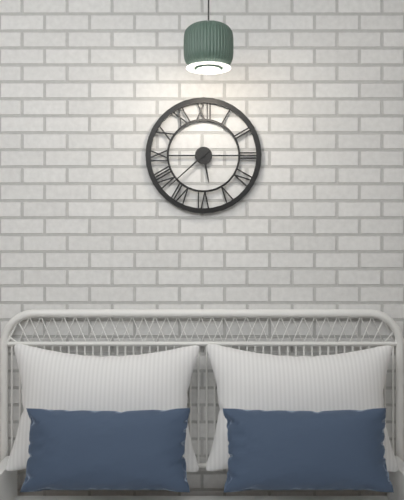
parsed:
5:38
